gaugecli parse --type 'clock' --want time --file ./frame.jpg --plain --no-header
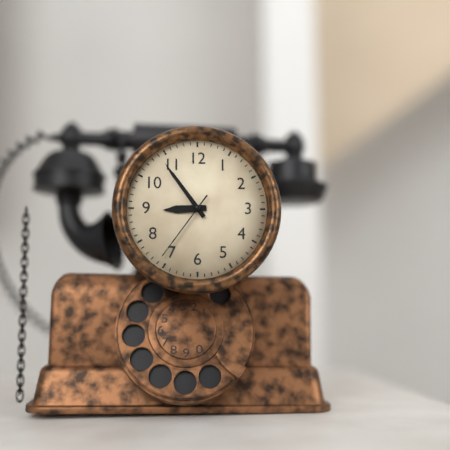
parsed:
8:54:36
